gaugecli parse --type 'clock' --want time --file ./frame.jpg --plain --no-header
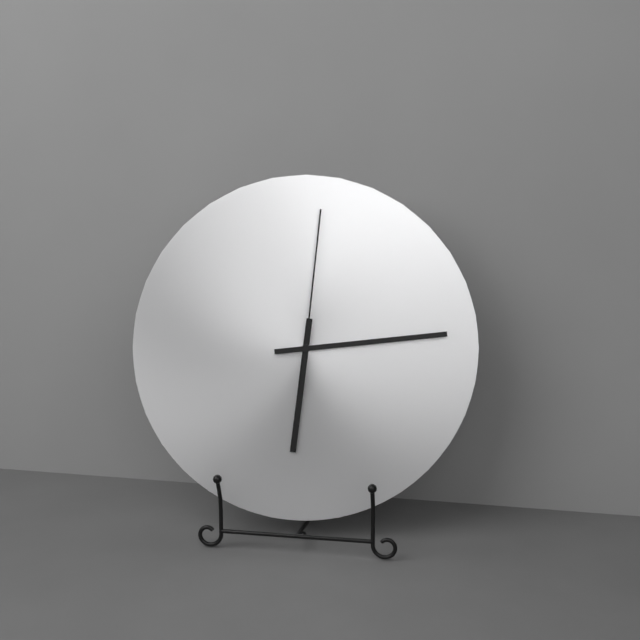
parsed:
6:14:01
